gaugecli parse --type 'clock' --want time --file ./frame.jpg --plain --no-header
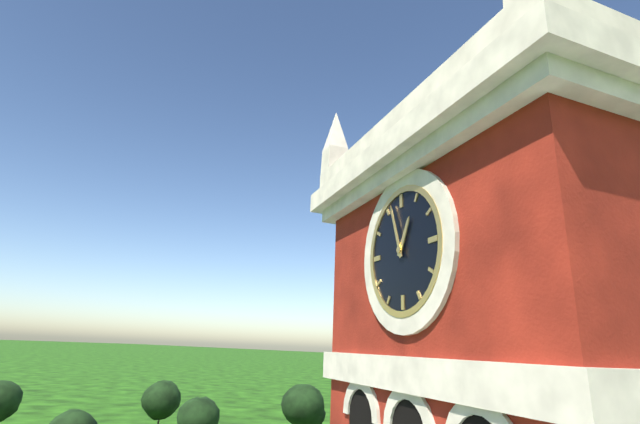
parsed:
12:57
